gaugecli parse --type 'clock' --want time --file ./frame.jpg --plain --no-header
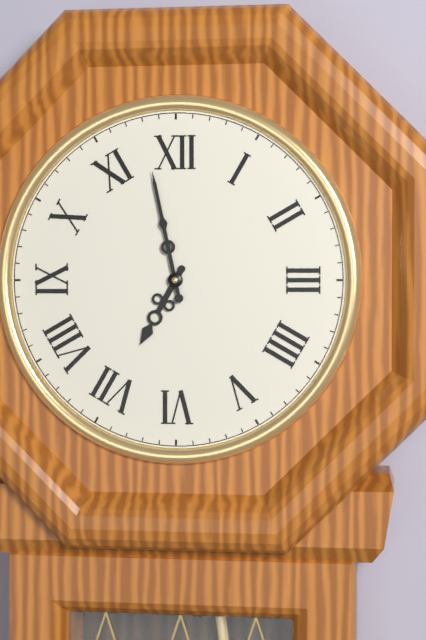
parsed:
6:58
